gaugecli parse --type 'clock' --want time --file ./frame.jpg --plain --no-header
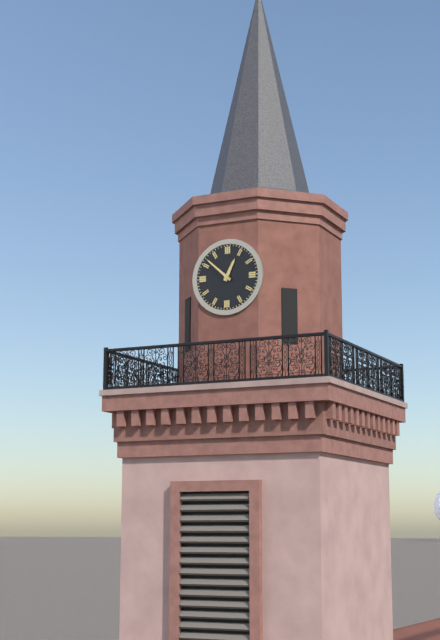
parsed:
12:52
